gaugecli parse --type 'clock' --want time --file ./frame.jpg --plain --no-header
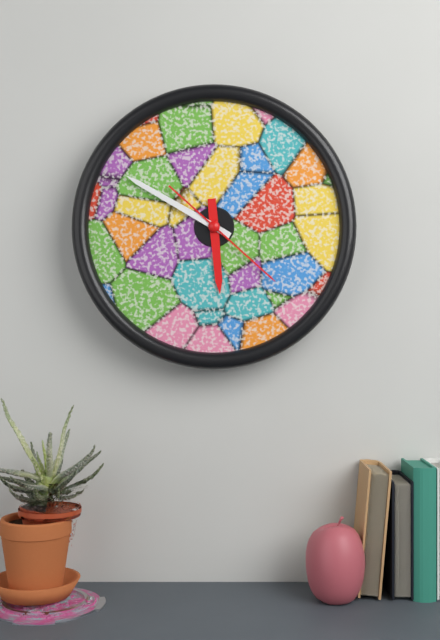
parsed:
5:50:22
